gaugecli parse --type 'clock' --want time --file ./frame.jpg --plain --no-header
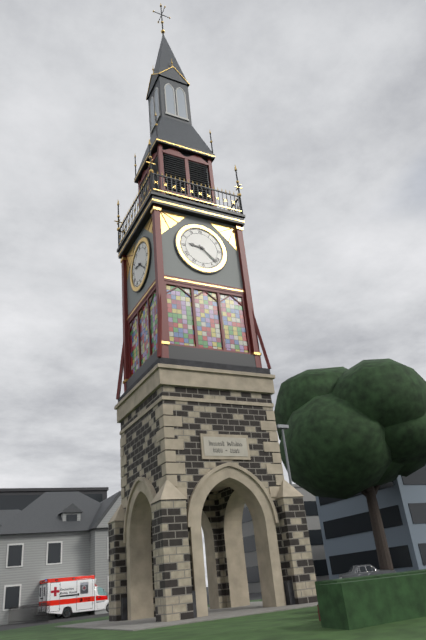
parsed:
9:22
